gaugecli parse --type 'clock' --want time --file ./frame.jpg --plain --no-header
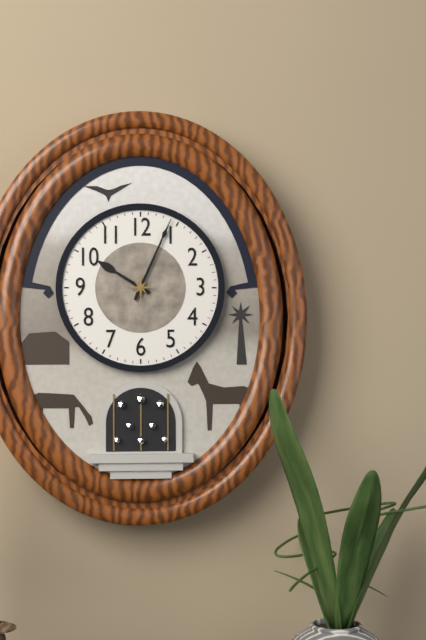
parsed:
10:04
